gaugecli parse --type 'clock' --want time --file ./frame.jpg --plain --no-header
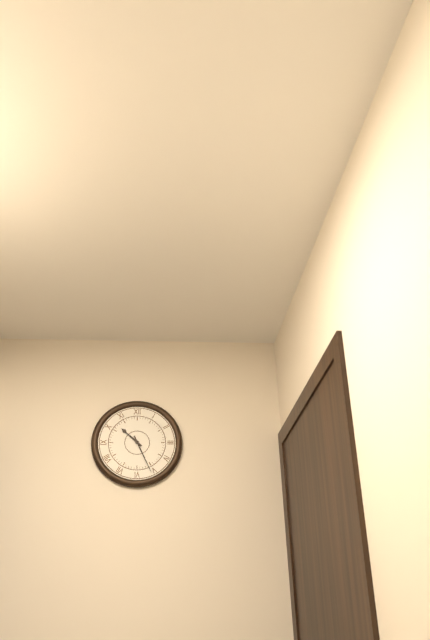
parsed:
10:26
